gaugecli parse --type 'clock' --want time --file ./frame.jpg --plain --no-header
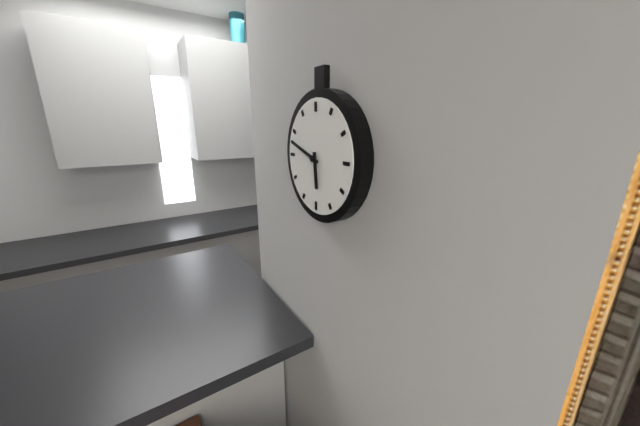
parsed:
5:48
